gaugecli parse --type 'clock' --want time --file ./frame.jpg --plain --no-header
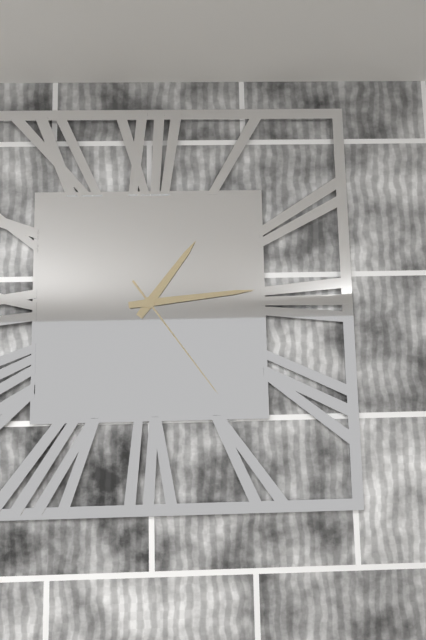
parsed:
1:14:24
